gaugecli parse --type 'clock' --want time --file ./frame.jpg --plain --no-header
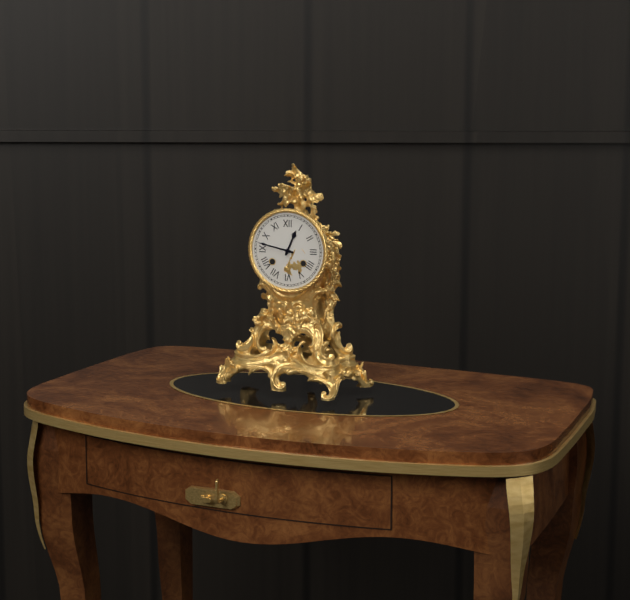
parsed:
12:47
